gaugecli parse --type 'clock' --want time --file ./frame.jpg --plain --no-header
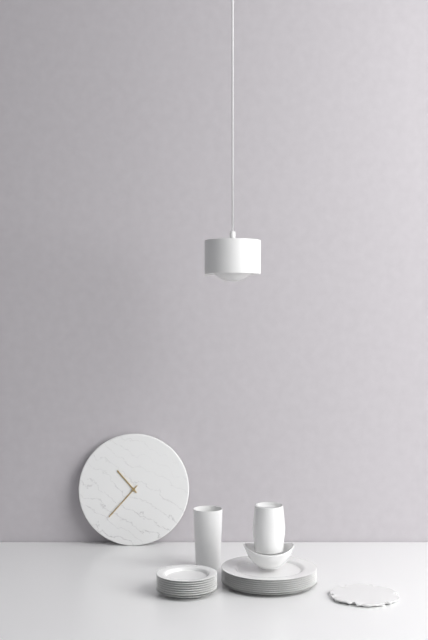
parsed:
10:37
